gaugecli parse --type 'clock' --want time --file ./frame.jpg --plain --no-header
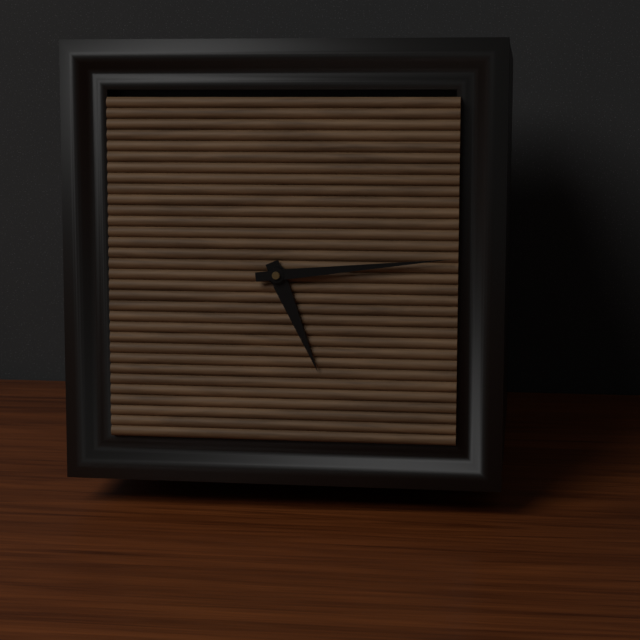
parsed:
5:14
